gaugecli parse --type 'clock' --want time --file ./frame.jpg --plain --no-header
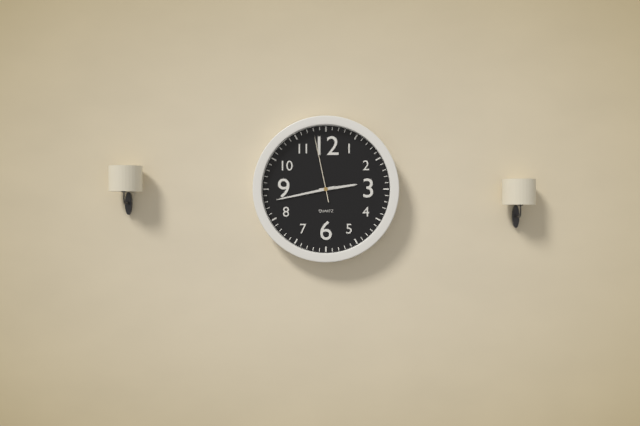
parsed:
2:43:58
